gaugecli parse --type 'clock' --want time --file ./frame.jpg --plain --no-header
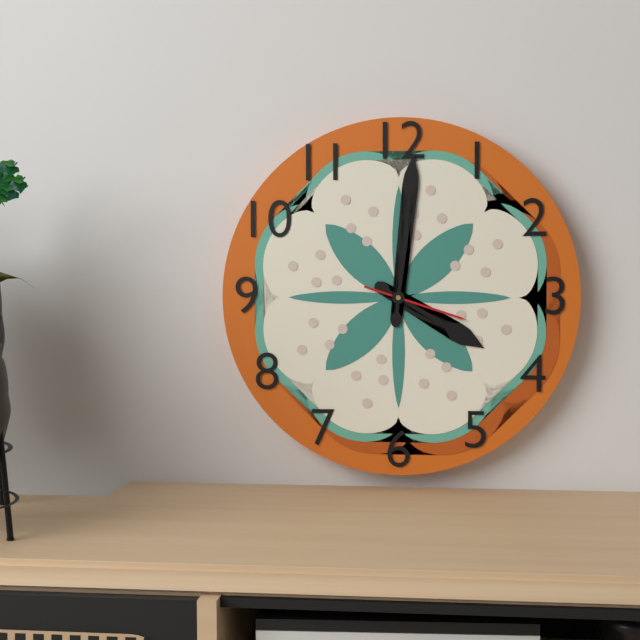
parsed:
4:01:18
